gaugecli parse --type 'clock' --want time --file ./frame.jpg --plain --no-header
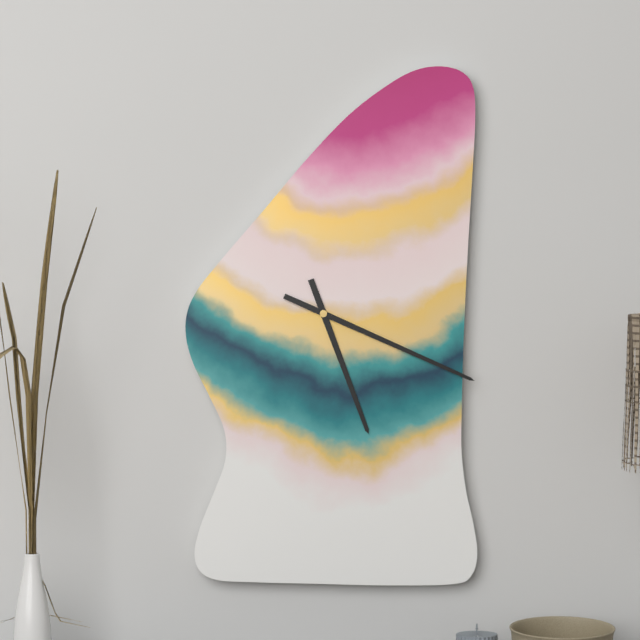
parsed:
5:19
